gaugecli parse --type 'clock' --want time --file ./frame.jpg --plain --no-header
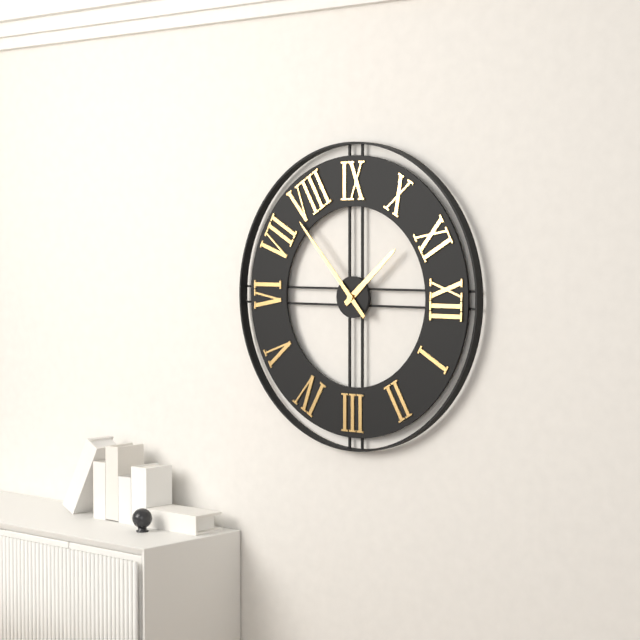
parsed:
10:38
